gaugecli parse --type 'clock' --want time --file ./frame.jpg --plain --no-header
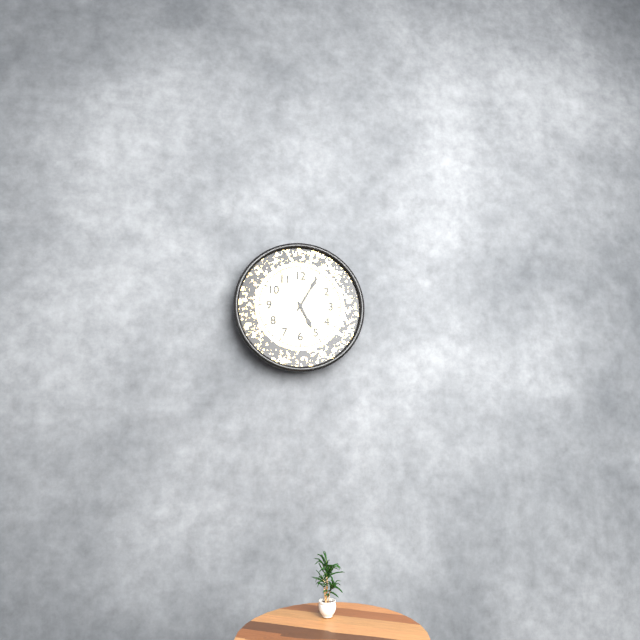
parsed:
5:05
